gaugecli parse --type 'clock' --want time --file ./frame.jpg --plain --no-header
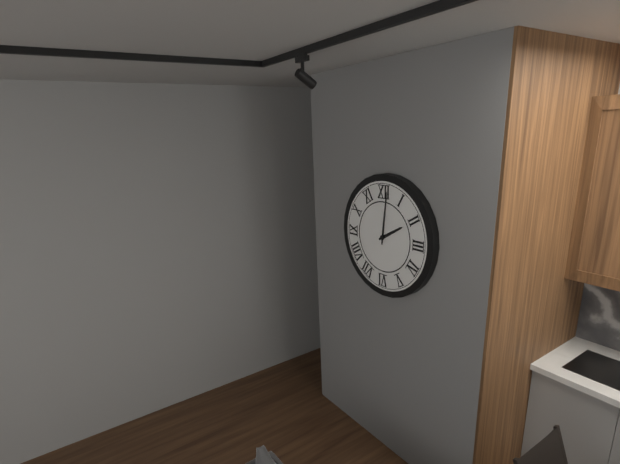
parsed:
2:01
